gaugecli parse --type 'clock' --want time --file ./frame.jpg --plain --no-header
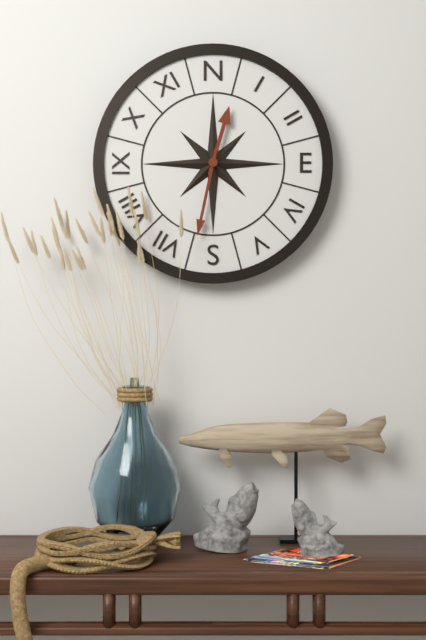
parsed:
12:32
